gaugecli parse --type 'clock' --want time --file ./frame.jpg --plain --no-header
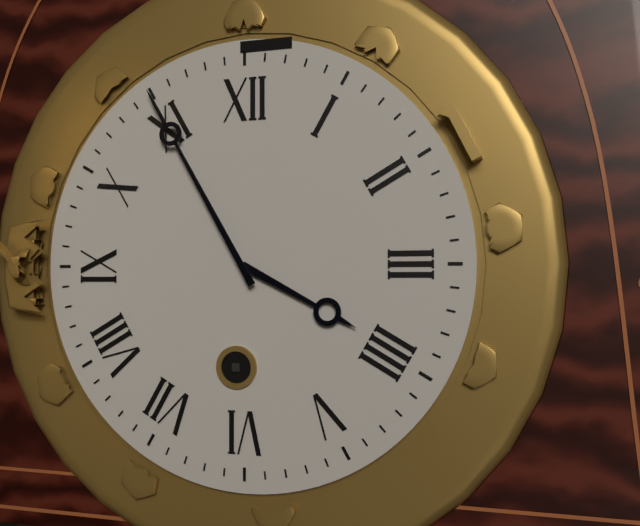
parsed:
3:55
